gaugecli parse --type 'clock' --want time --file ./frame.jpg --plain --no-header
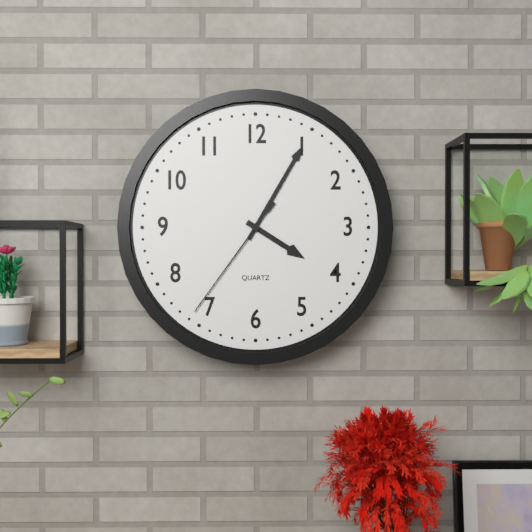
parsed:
4:05:36
